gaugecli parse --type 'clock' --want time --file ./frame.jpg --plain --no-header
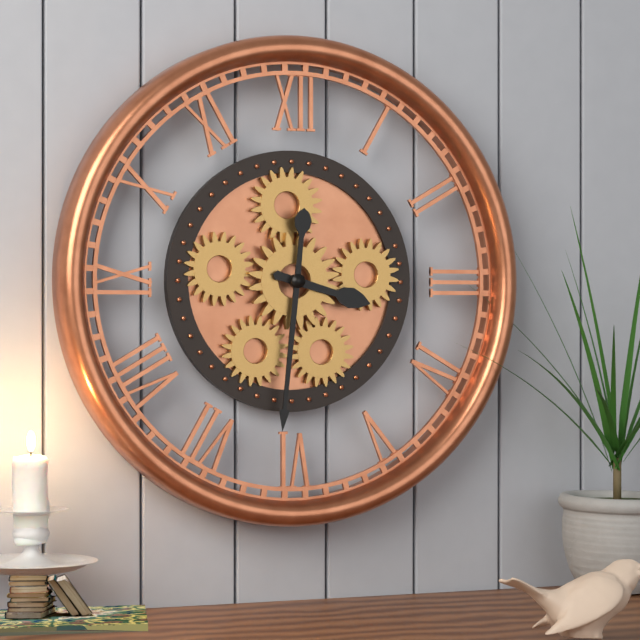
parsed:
3:31
